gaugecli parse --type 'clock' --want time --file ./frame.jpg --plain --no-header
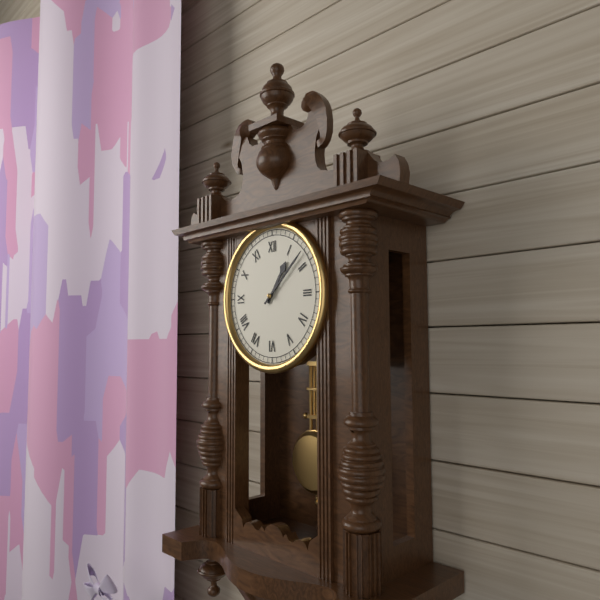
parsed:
1:08
